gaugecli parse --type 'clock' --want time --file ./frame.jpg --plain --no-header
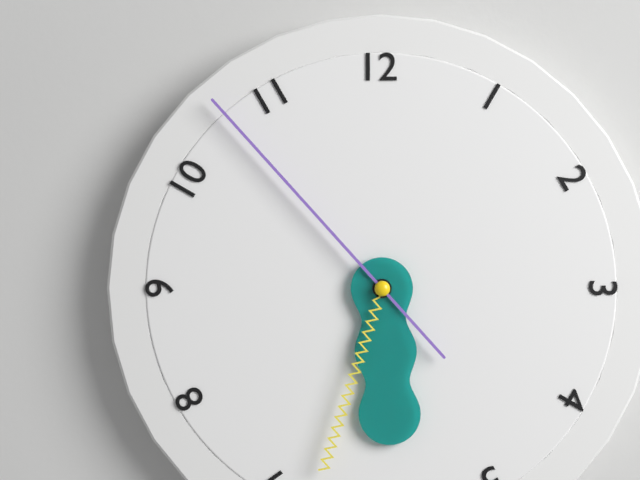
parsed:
5:53:33
